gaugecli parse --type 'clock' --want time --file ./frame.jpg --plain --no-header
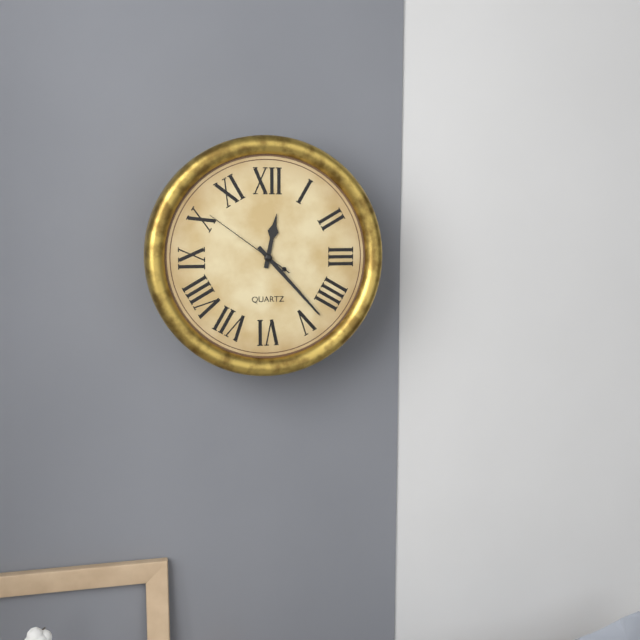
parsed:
12:23:51
